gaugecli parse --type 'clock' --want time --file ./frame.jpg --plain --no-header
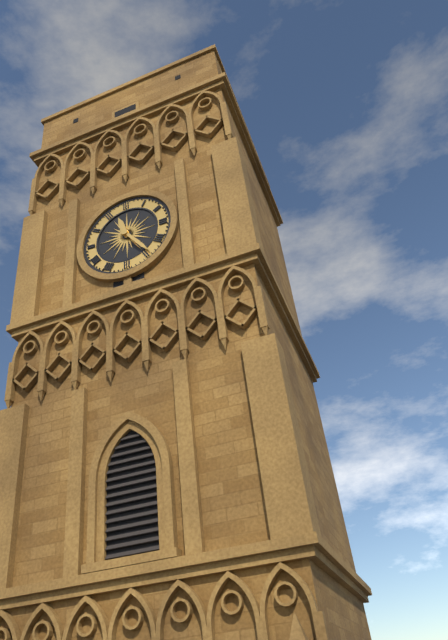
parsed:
11:24
